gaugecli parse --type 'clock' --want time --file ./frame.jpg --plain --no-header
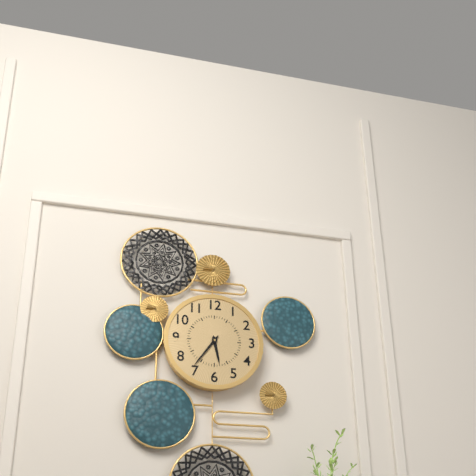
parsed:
5:36
